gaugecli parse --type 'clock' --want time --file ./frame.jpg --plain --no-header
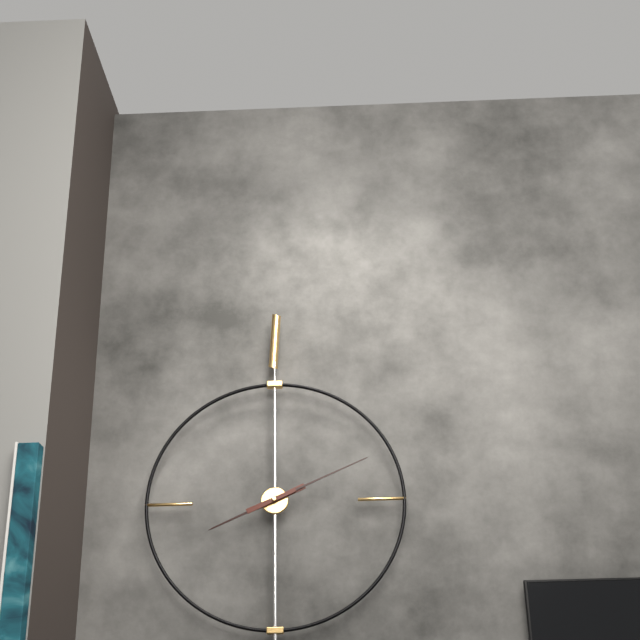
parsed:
8:11
